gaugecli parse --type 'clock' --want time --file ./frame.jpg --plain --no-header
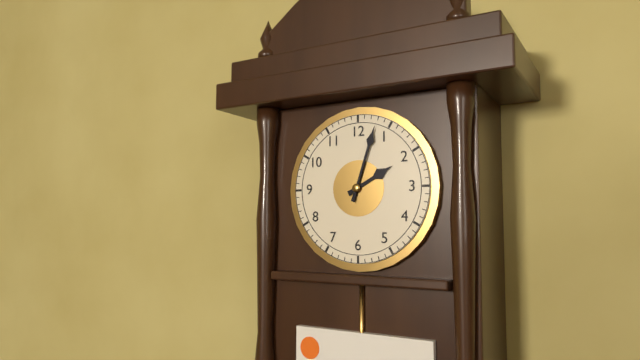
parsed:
2:03
